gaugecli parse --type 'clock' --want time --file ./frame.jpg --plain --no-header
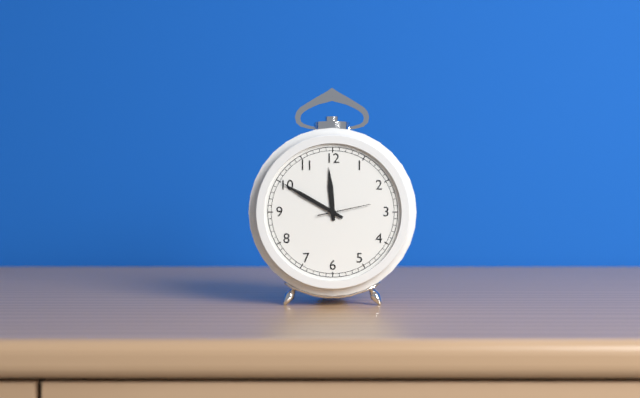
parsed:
11:50
